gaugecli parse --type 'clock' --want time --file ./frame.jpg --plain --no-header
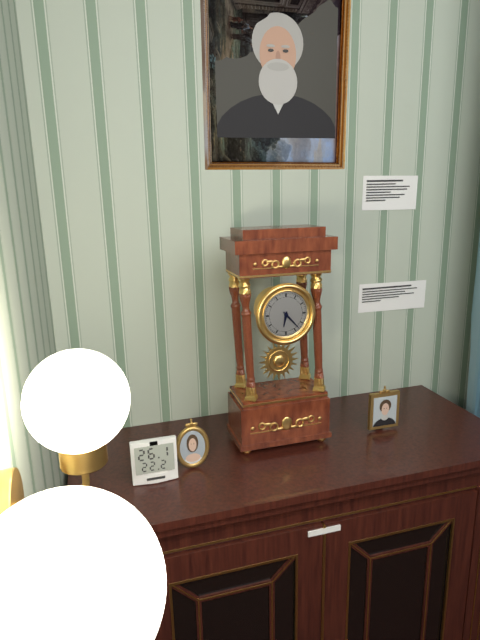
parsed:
6:23
